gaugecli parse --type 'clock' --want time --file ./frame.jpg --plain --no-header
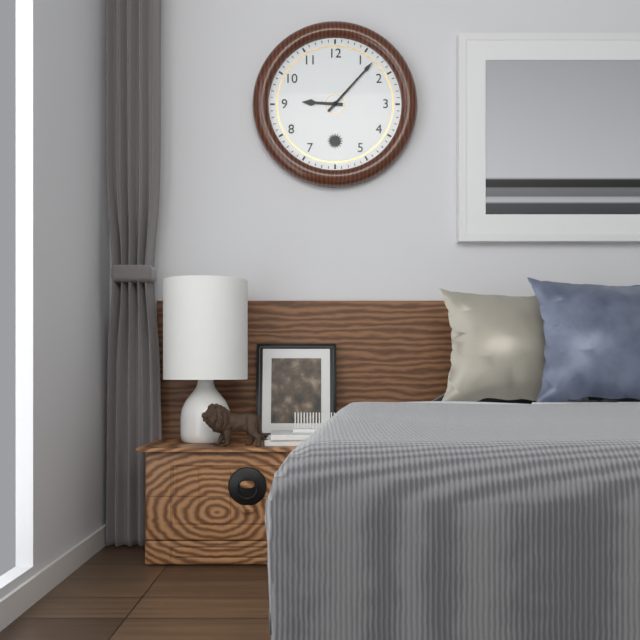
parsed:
9:07
